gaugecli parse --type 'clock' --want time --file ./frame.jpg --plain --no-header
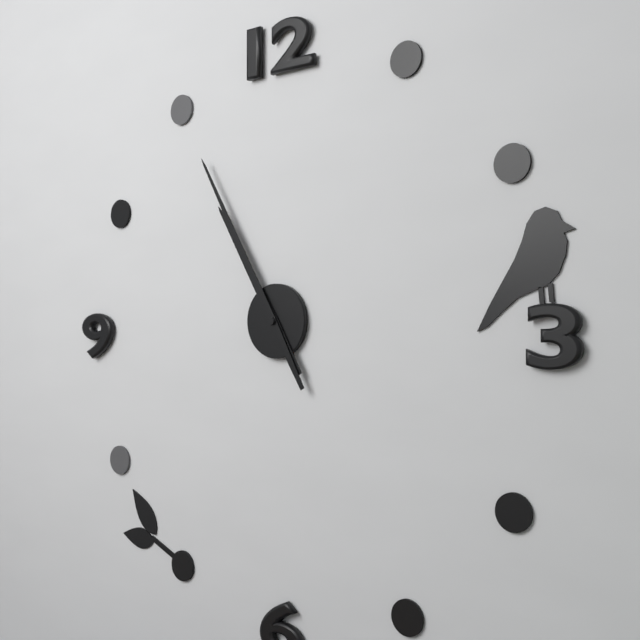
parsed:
10:55
